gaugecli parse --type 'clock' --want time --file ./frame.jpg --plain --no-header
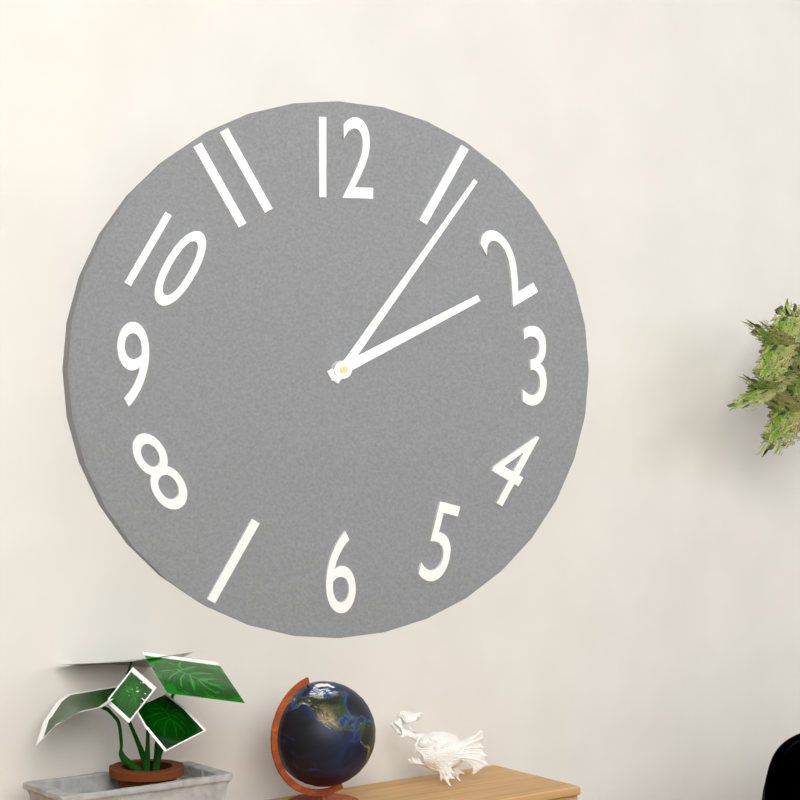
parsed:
2:06
